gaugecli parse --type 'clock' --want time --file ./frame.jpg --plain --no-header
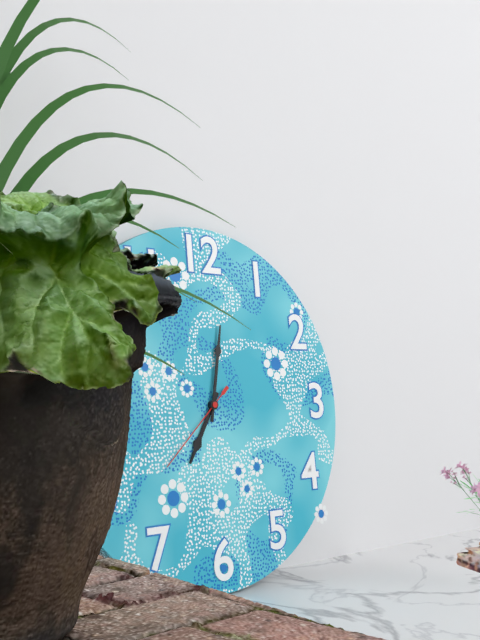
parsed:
7:02:38
